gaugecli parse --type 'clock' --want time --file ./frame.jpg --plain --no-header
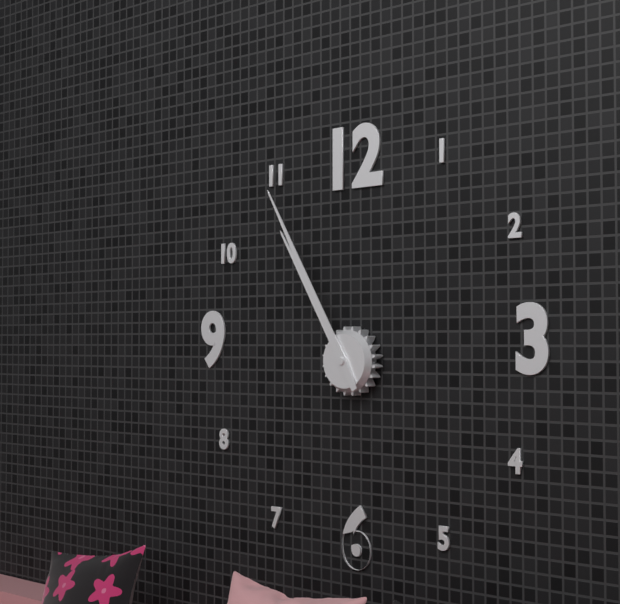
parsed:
10:55
